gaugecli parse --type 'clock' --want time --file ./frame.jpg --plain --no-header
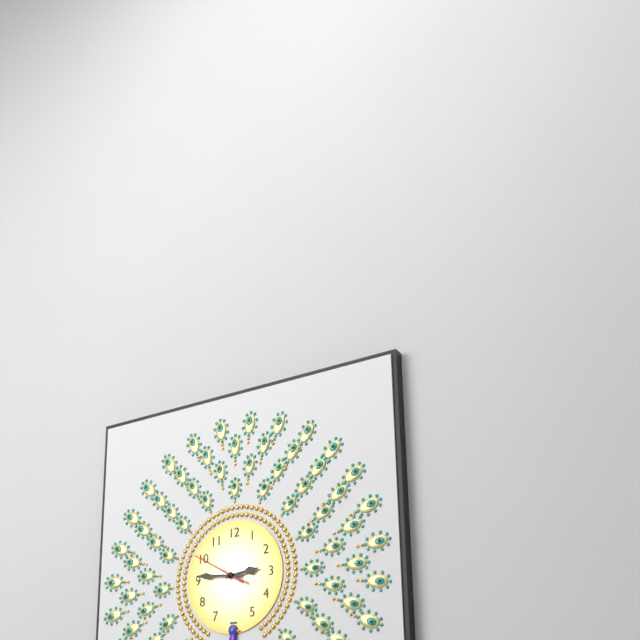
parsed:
2:46:50
